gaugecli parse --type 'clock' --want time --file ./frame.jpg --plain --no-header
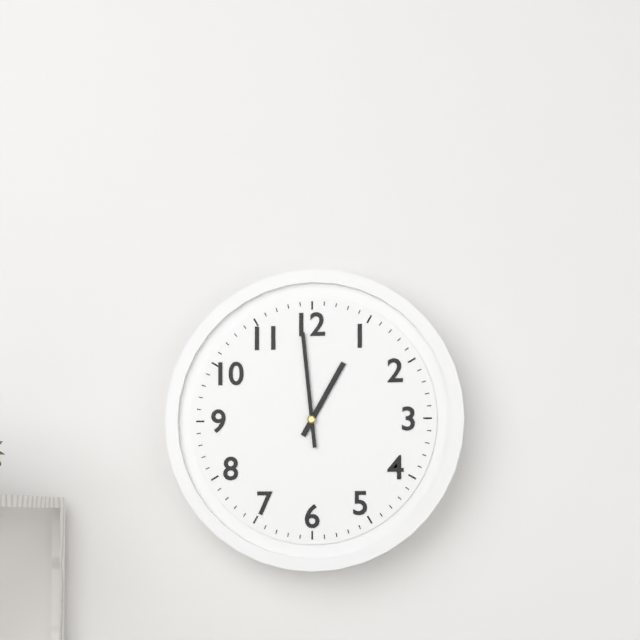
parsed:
12:59
